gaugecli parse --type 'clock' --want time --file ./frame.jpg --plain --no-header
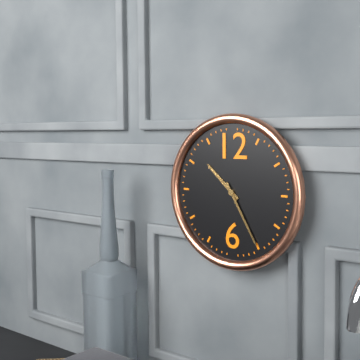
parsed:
10:25
